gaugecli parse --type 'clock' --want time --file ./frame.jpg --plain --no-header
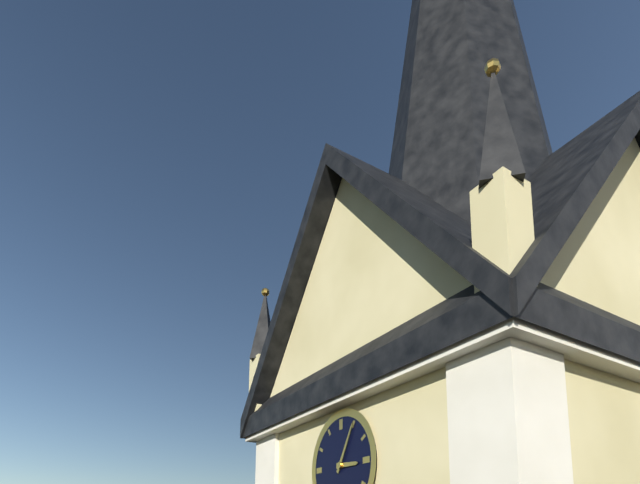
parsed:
3:05
